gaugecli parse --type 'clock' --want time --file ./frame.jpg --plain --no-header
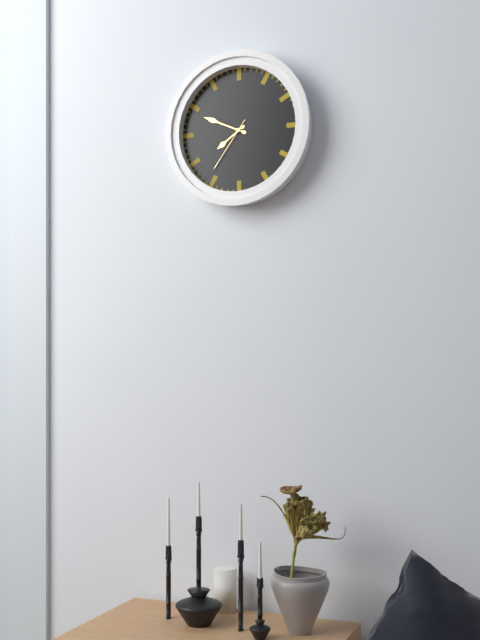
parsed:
7:49:36
